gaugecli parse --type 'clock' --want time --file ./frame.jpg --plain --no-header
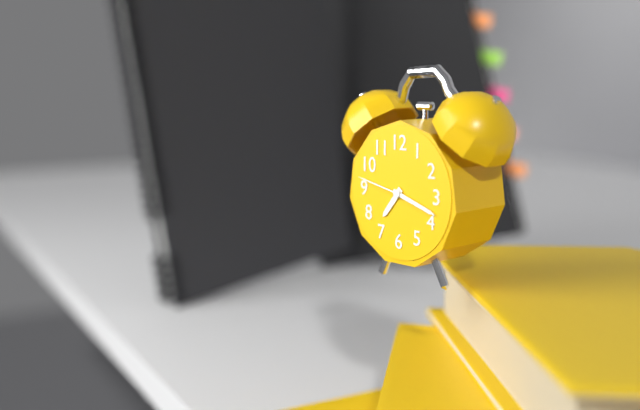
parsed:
7:18:47
